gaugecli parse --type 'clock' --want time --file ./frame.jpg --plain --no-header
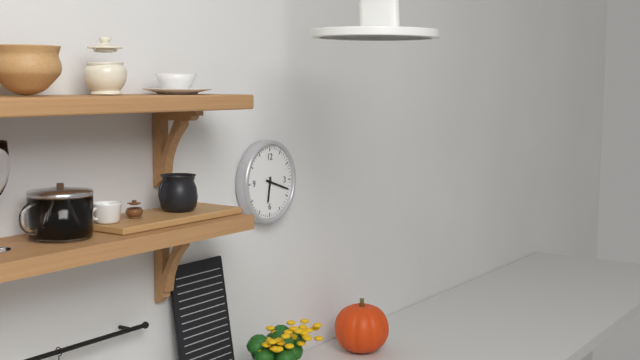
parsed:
6:18
